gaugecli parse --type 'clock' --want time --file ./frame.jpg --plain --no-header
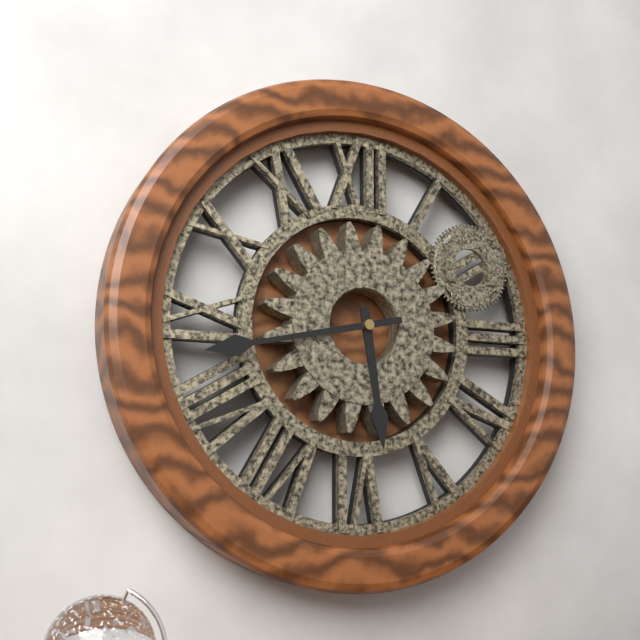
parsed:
5:43
